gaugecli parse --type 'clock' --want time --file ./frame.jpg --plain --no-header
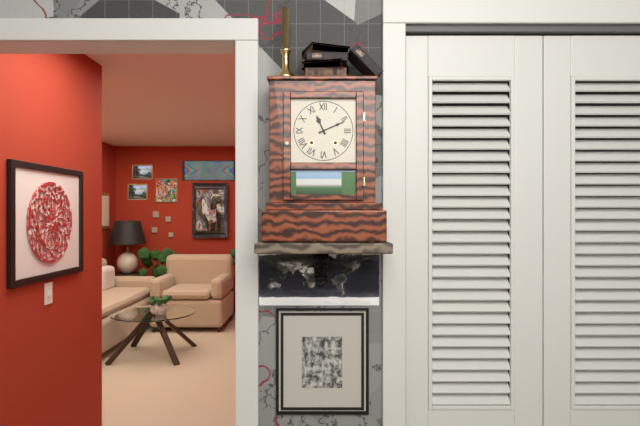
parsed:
11:11
